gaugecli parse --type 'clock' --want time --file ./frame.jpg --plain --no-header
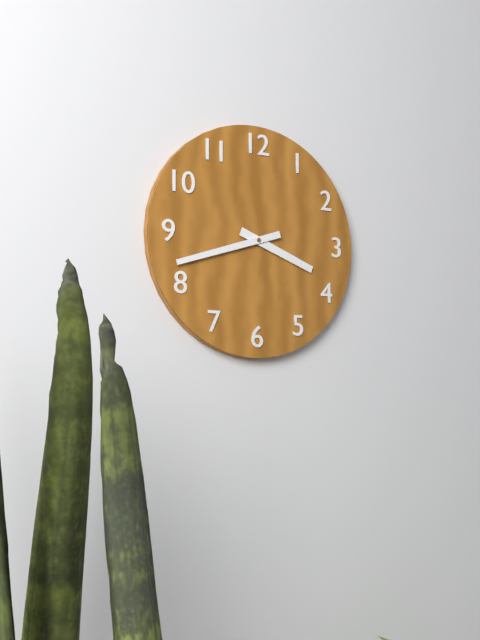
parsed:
3:42
